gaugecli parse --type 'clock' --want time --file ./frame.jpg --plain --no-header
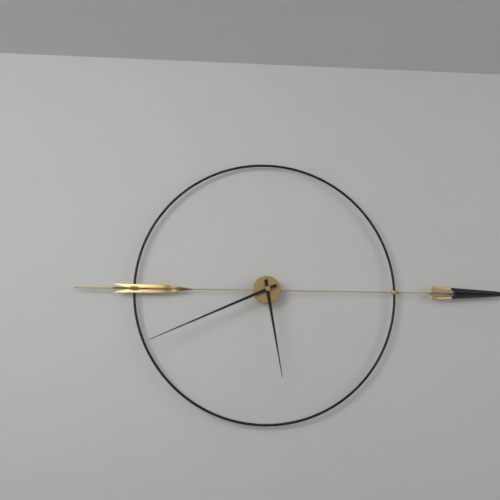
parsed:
5:41
